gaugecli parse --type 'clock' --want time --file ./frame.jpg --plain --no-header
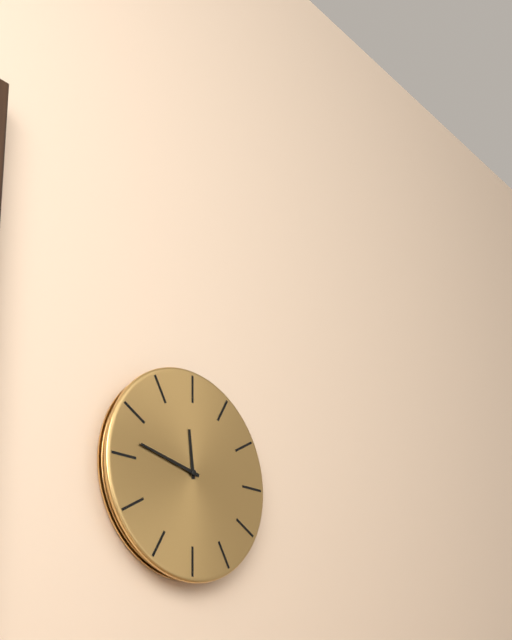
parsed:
11:47
